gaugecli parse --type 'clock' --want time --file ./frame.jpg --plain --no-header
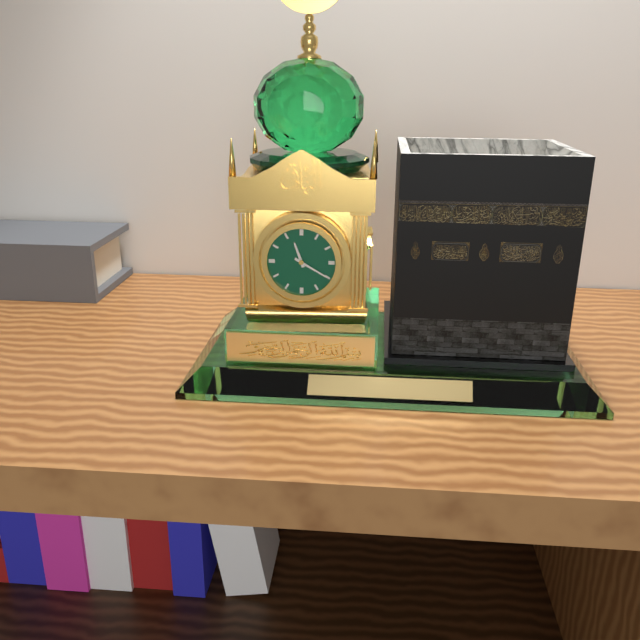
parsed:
11:20
